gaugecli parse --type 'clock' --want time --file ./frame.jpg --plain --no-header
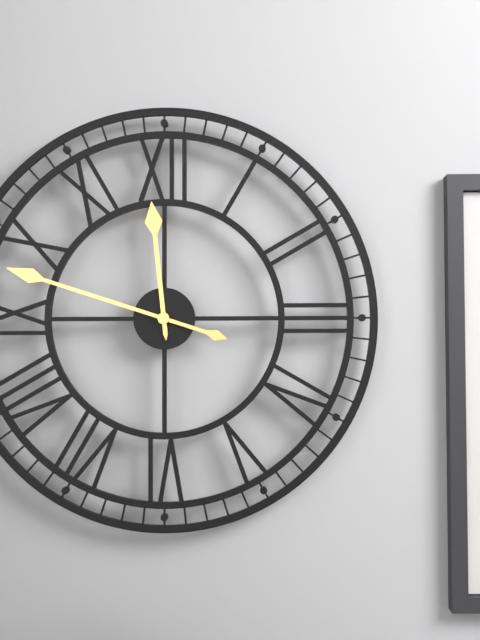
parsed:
11:48
